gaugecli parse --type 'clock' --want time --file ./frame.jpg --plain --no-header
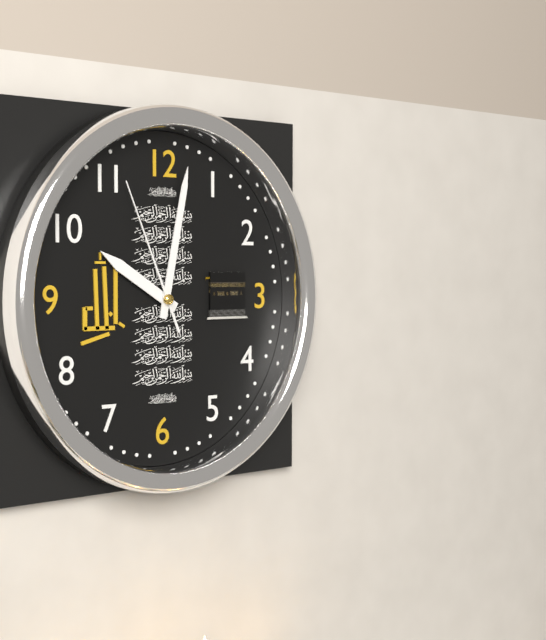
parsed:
10:02:56
